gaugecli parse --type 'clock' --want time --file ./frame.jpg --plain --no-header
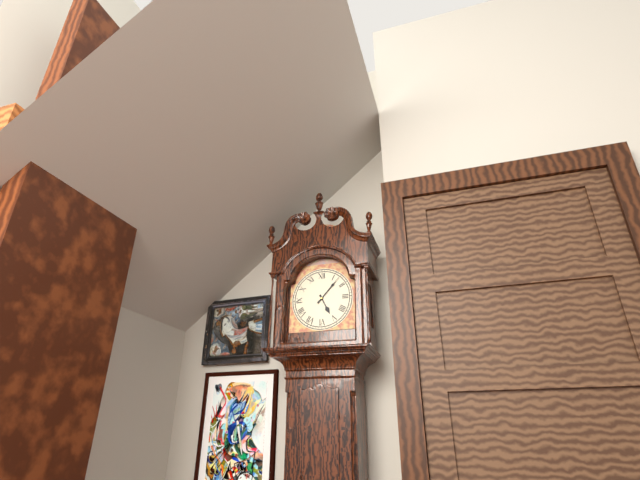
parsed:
5:07
